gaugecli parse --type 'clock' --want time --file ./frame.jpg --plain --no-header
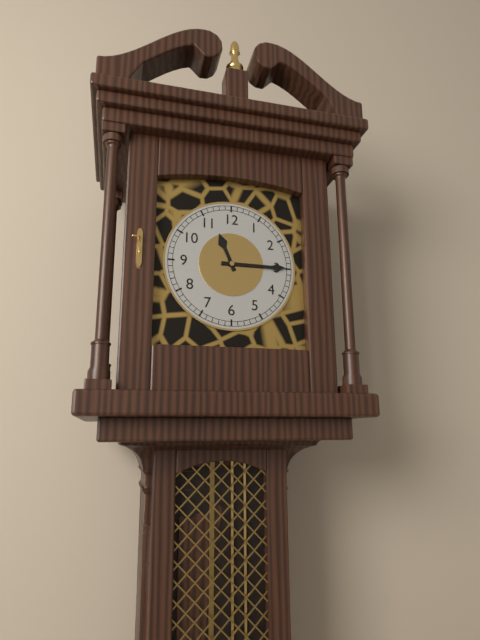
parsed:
11:15
